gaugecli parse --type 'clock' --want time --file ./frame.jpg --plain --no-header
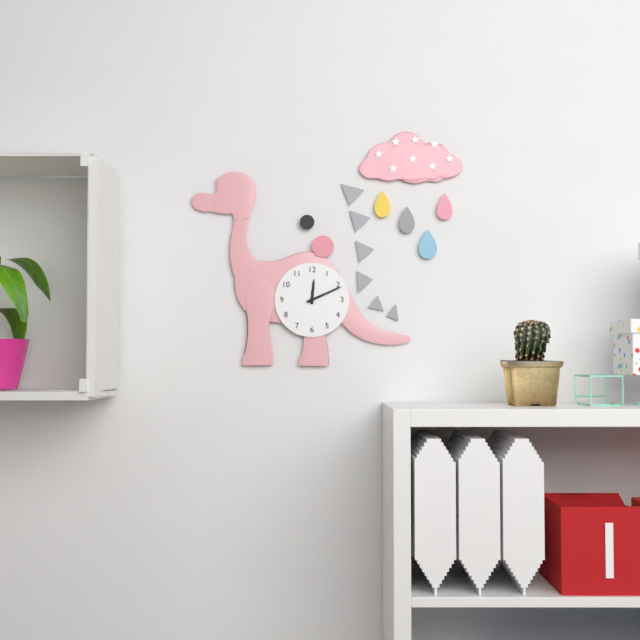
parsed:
12:11
